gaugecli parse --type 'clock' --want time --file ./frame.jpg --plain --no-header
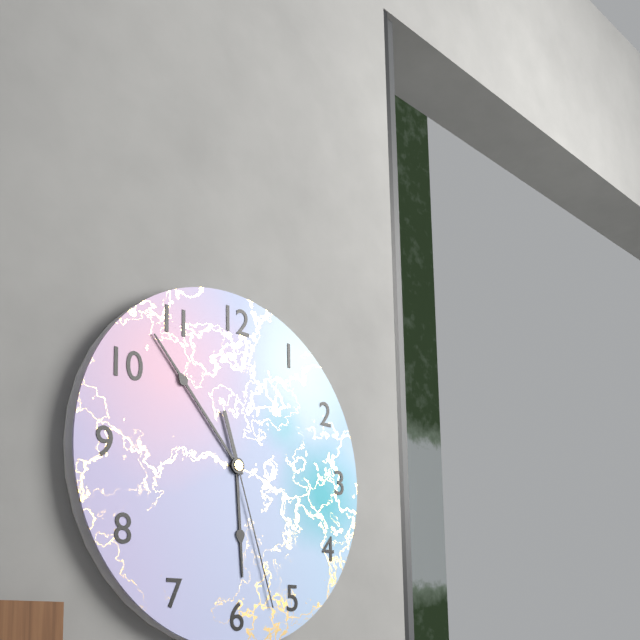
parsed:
5:53:27
